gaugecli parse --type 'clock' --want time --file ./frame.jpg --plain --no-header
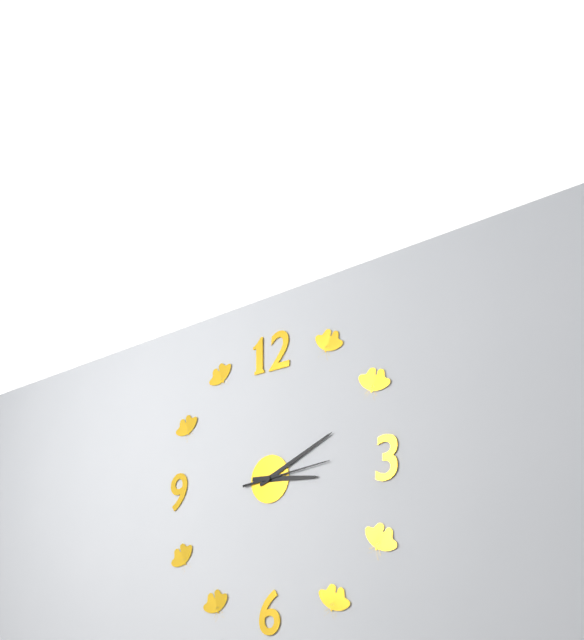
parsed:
3:11:14
